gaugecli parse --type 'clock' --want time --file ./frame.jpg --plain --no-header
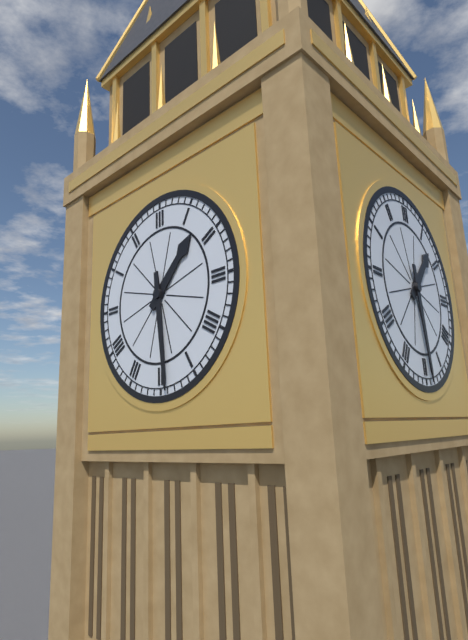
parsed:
1:29
